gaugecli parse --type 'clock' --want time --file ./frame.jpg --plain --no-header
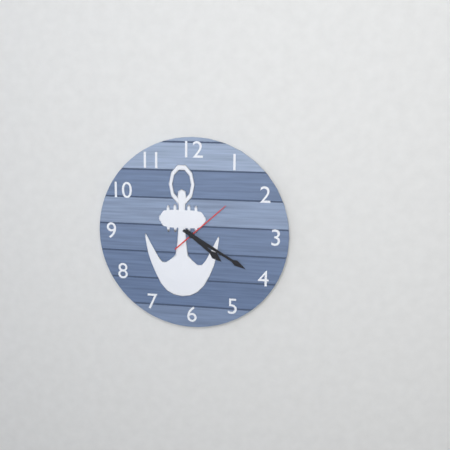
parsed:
4:20:08
